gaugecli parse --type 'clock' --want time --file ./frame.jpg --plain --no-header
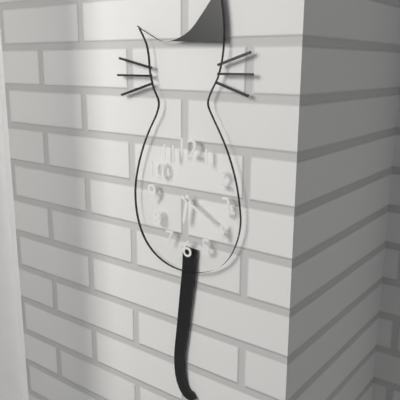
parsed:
6:20
